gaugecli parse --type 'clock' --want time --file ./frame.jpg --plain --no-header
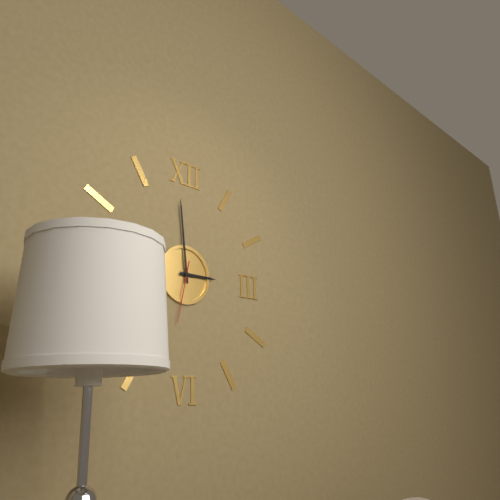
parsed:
2:59:32
